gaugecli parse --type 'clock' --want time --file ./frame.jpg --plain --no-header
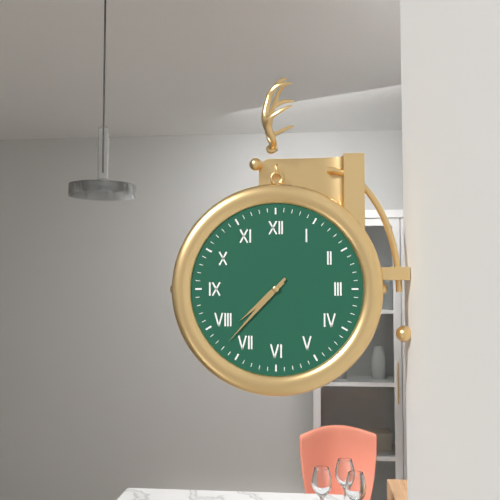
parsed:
7:37
